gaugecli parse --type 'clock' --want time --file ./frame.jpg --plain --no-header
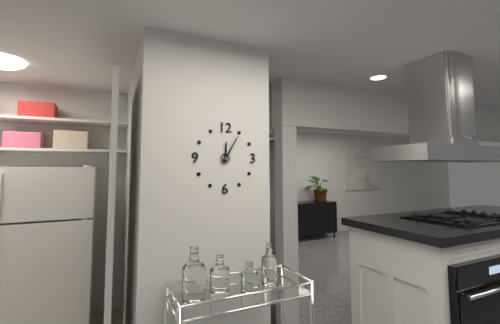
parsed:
12:05
